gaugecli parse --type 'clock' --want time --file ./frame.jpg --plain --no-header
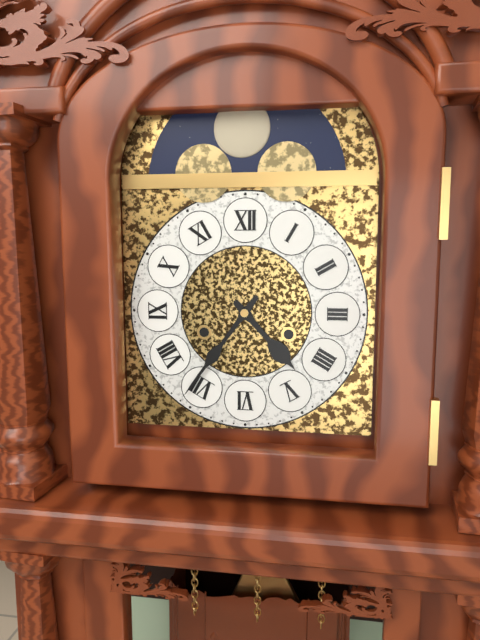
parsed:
4:36
